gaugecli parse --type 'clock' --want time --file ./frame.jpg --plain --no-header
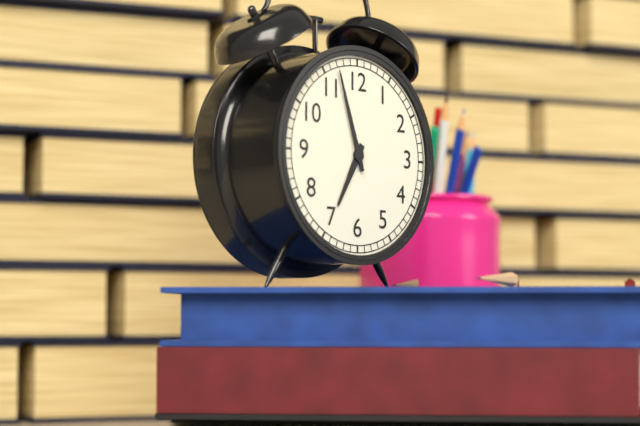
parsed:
6:57
